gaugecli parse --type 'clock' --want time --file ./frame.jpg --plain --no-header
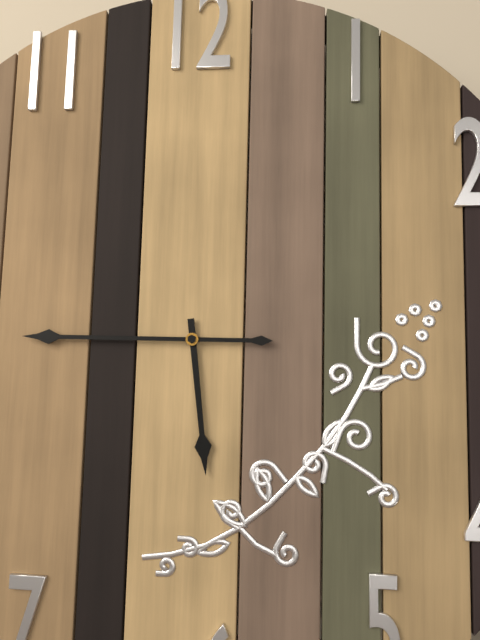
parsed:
5:45
